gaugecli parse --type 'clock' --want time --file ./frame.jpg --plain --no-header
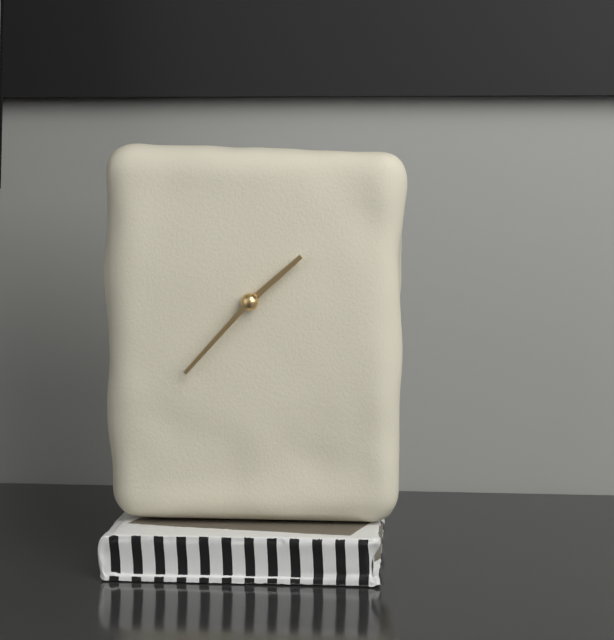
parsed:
1:37
